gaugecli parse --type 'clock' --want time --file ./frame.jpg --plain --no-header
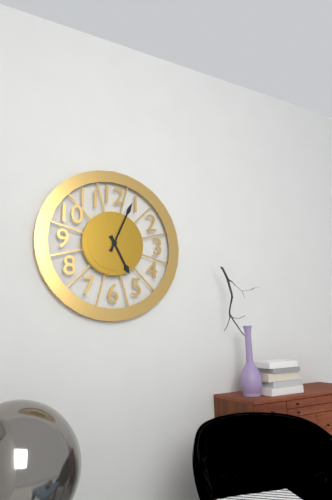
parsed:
5:04
